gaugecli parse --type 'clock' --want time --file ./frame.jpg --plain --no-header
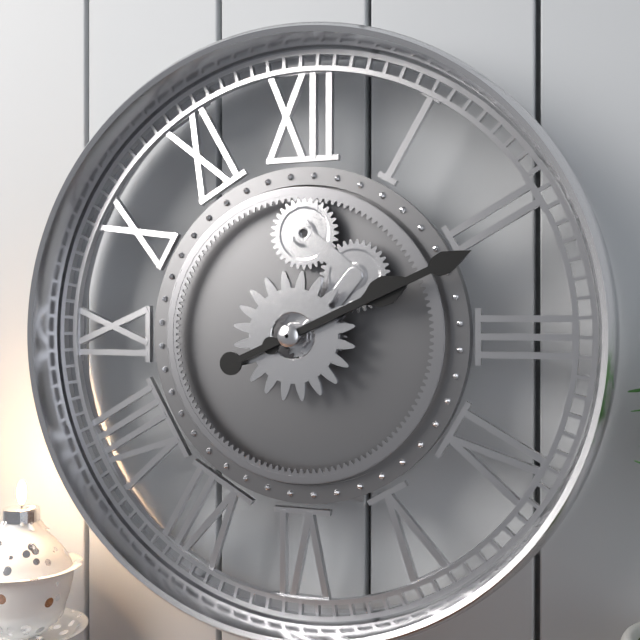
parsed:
2:11
